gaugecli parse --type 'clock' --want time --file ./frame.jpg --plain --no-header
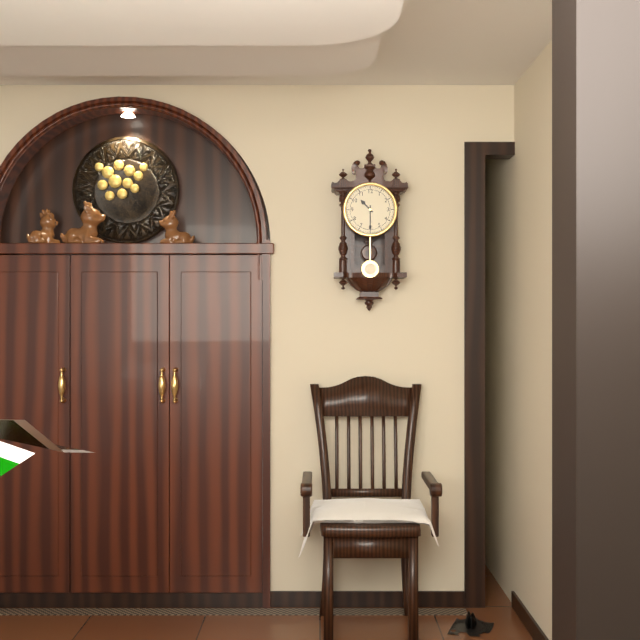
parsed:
10:30
